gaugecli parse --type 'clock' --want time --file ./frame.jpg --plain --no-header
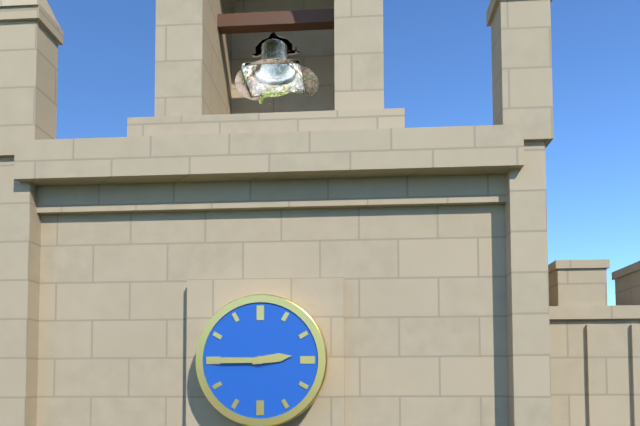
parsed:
2:45
